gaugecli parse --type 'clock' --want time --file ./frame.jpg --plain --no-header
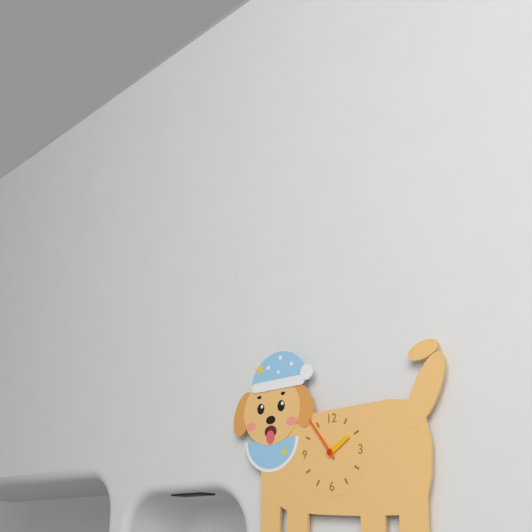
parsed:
1:54
